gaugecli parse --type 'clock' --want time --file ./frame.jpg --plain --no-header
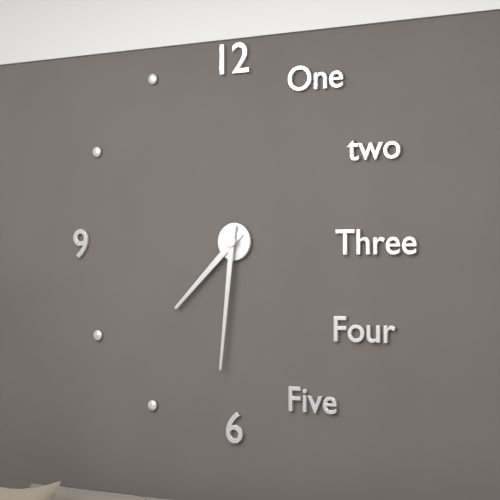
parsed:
7:31
